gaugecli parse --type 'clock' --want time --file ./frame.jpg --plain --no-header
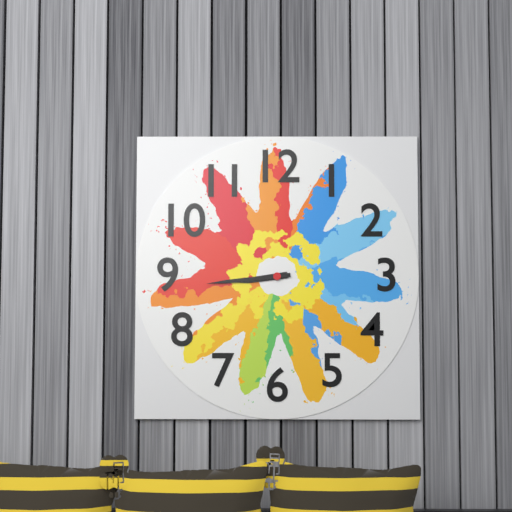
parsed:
8:44
